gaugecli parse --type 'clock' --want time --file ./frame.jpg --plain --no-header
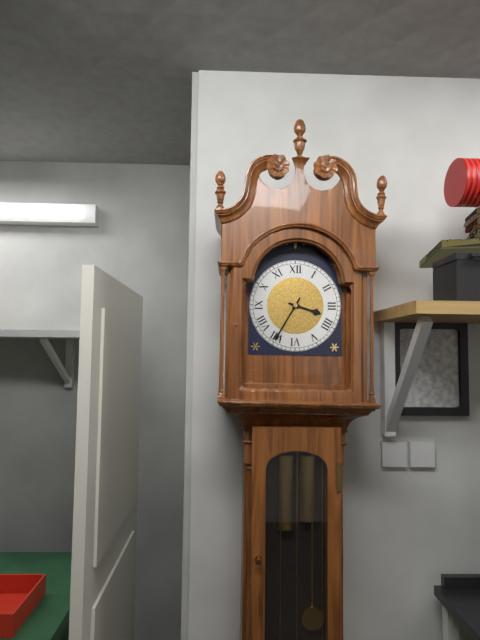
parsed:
3:35
